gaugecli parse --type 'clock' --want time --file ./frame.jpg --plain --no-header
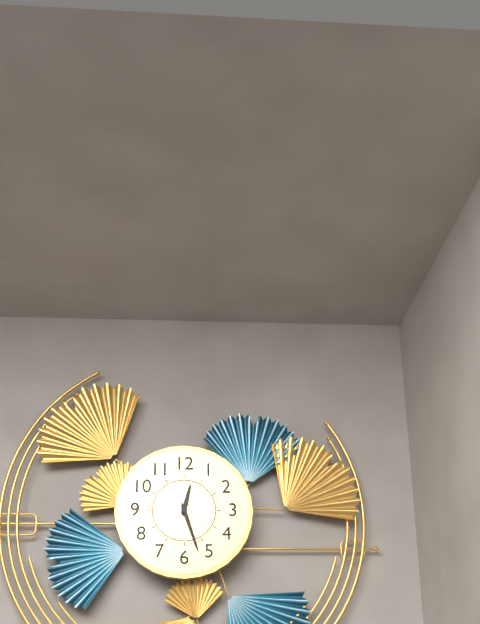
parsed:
12:27
